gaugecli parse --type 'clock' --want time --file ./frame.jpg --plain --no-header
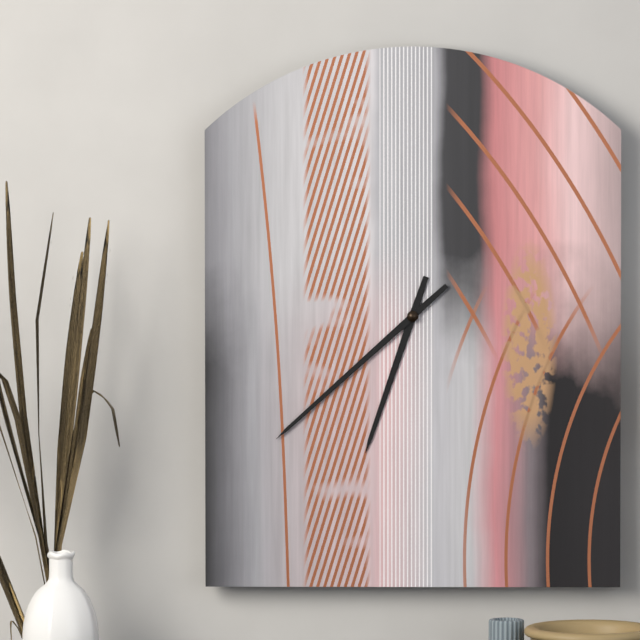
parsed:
6:38
